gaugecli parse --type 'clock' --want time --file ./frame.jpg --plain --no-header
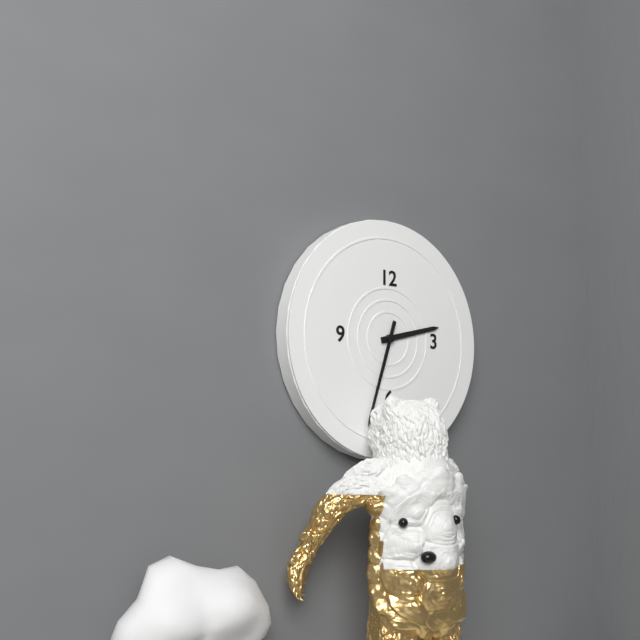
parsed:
2:33
